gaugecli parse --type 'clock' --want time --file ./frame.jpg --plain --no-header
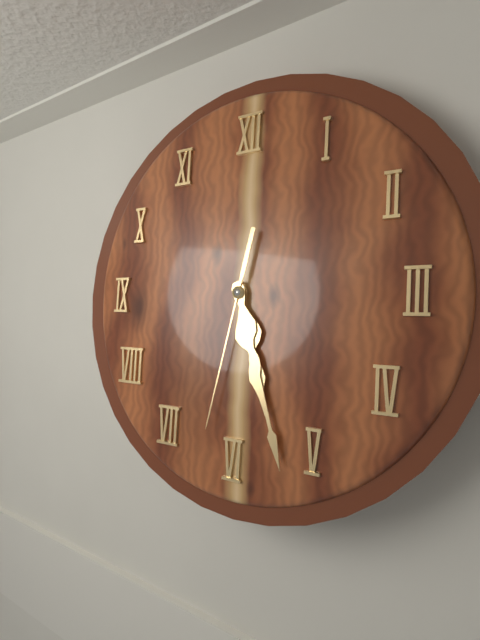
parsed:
5:27:32
